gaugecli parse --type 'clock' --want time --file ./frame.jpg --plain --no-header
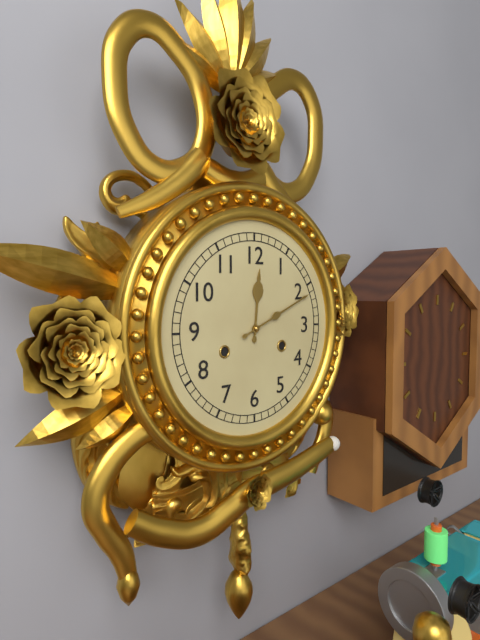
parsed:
12:11
